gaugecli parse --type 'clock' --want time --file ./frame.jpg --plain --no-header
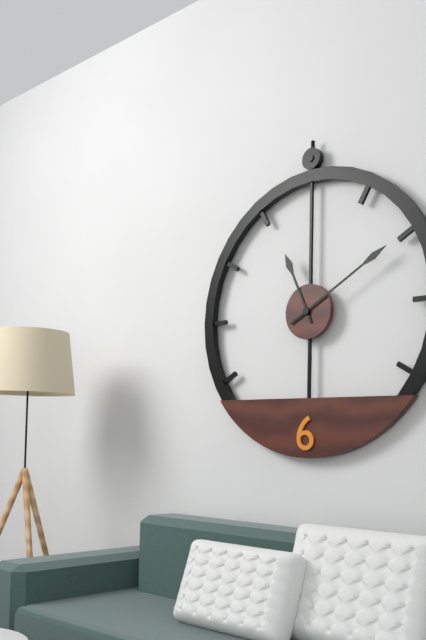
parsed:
11:10
